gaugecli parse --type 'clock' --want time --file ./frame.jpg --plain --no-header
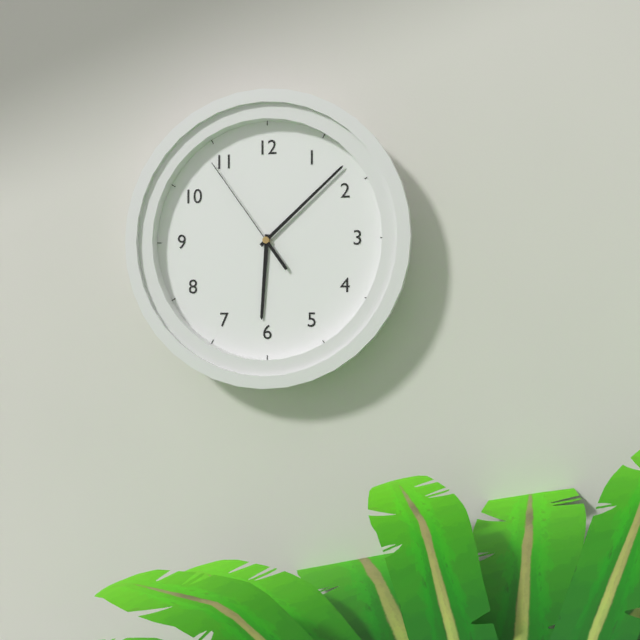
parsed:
6:08:54
